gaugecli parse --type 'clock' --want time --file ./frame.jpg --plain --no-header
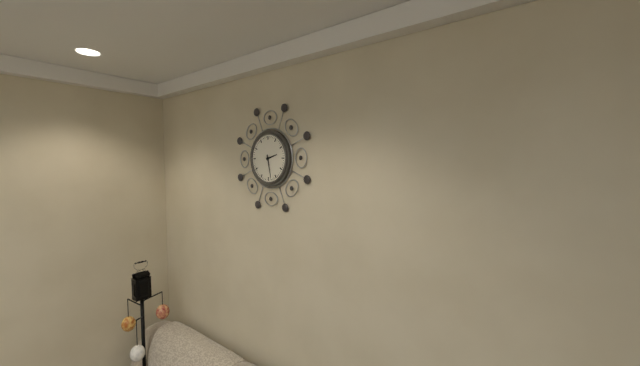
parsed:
2:28
